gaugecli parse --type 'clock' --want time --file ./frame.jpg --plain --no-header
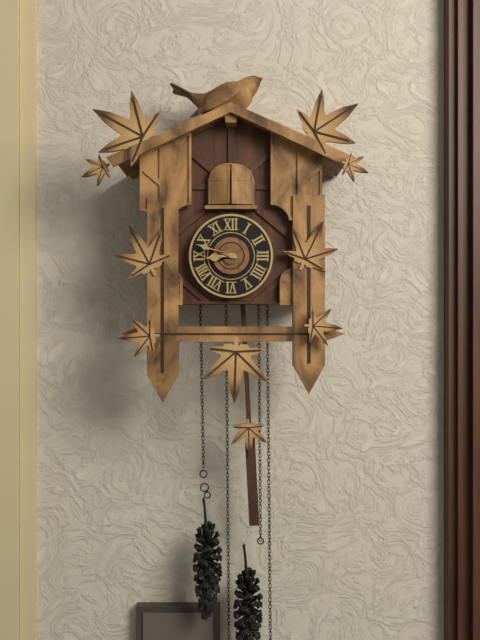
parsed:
8:48
